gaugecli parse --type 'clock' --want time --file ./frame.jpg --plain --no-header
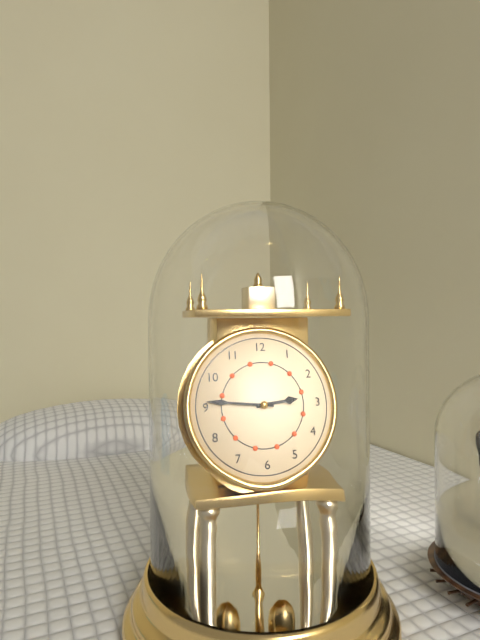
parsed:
2:46
